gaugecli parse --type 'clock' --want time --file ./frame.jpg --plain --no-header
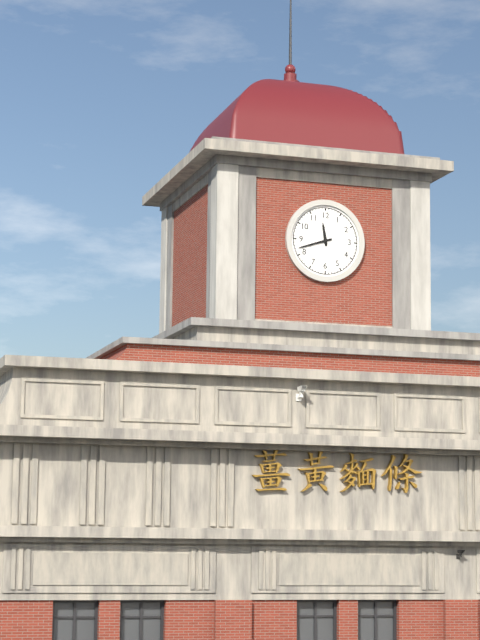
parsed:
11:42
